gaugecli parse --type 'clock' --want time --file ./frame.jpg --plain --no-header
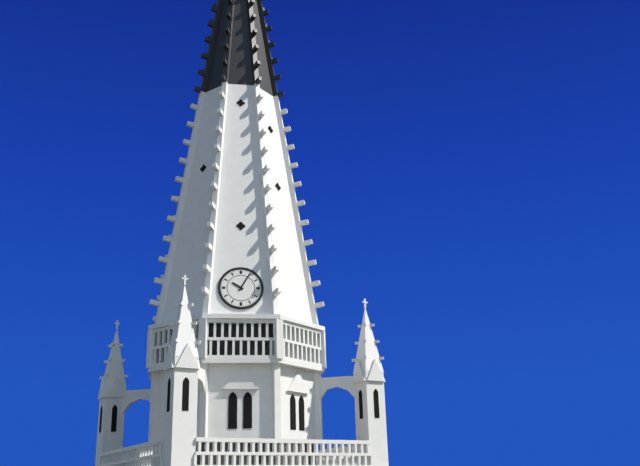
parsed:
10:05
